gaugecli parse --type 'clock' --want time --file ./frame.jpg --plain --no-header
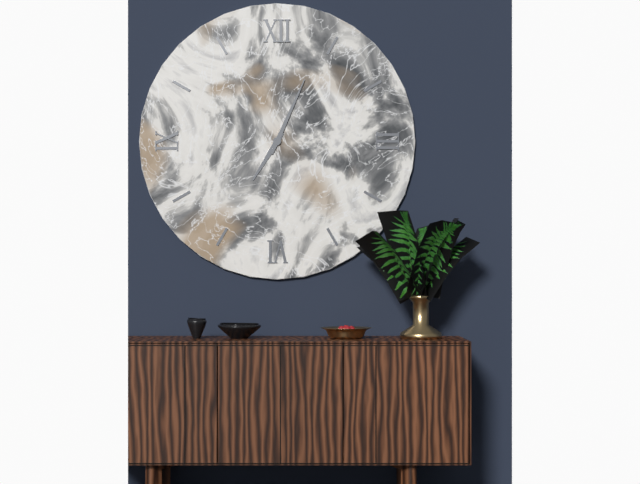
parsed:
7:04
